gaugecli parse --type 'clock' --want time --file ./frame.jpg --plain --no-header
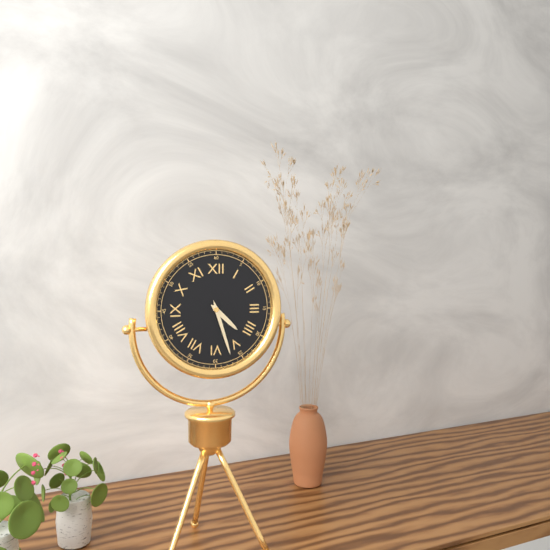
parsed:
4:27
